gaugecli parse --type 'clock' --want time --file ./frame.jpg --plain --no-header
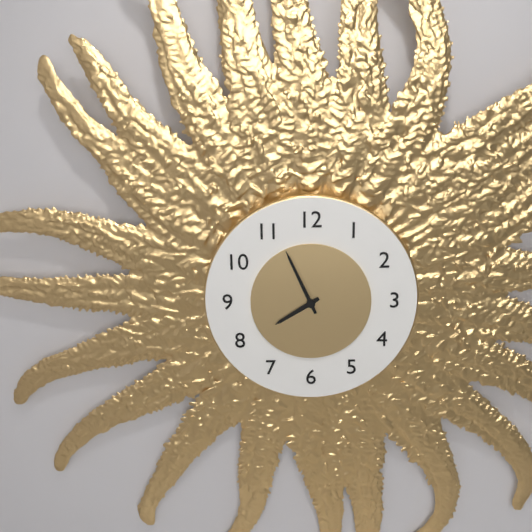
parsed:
7:56
